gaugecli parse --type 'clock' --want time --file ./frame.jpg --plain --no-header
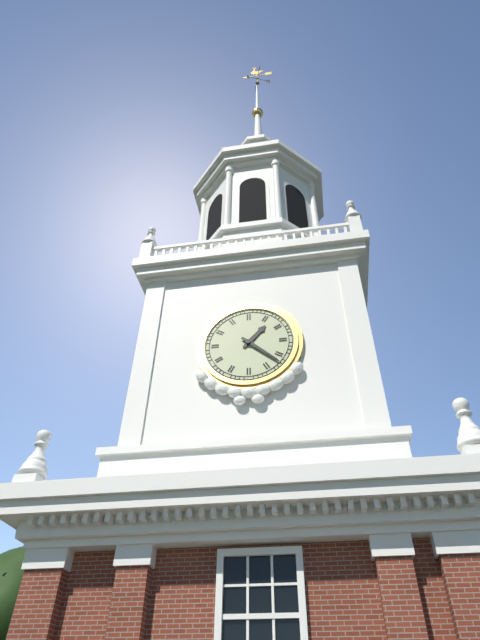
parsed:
1:22
